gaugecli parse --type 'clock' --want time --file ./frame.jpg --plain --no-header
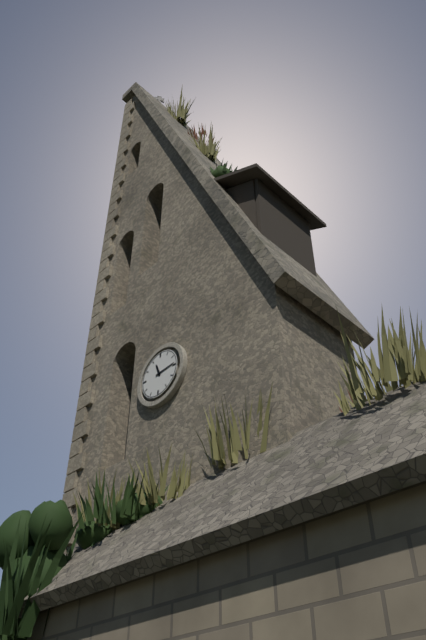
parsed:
11:14
